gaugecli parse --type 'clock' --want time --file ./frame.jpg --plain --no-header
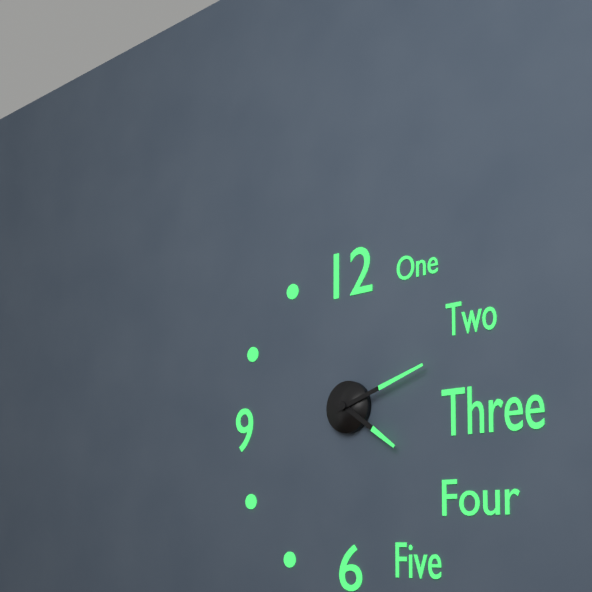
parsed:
4:12
